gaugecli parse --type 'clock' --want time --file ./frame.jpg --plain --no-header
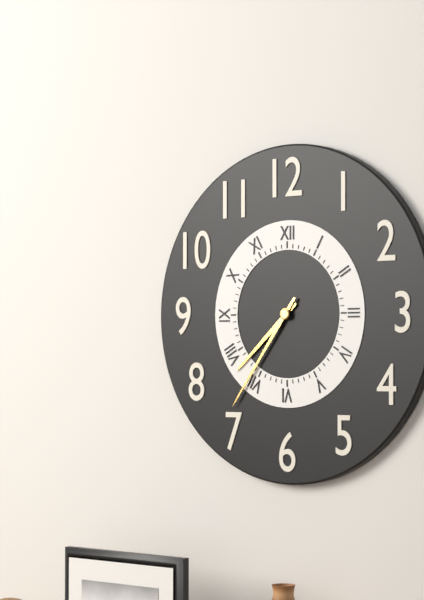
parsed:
7:36
